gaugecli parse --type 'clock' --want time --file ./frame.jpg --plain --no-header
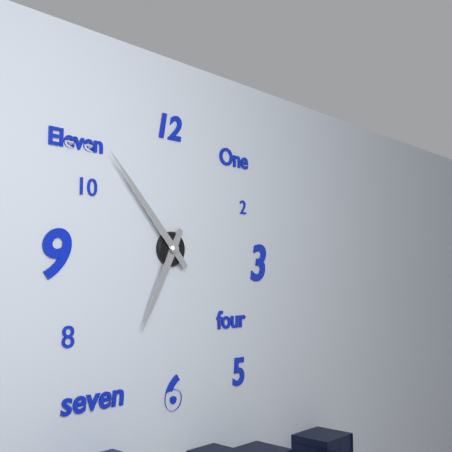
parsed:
6:53
